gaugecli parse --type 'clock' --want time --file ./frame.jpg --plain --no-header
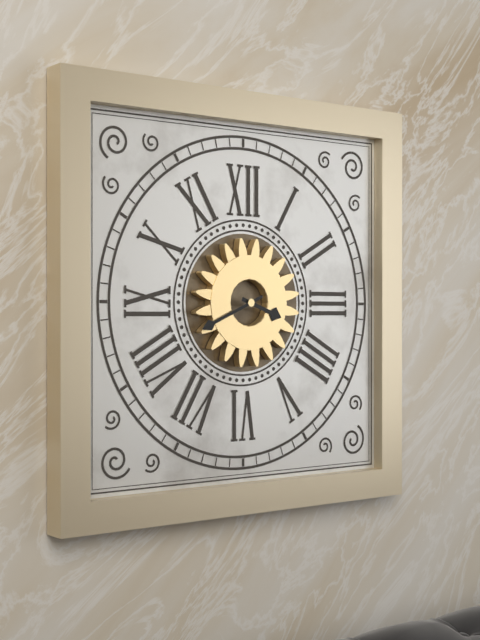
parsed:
3:41
